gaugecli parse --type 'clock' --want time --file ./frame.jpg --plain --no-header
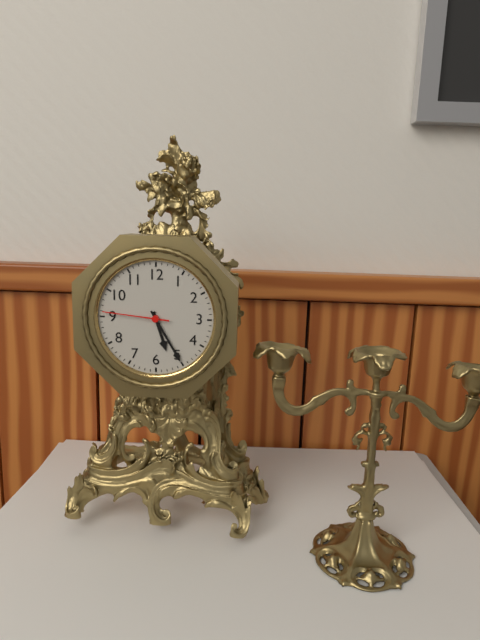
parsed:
5:25:46
